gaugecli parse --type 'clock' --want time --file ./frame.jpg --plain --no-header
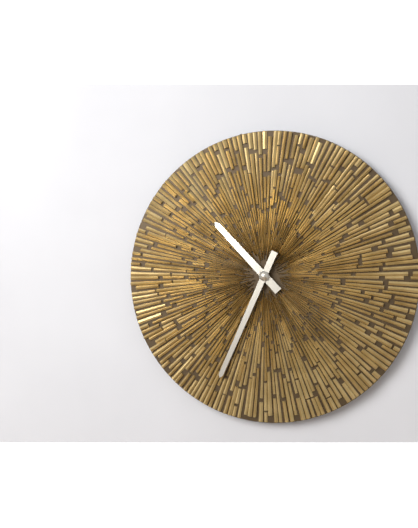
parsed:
10:34
